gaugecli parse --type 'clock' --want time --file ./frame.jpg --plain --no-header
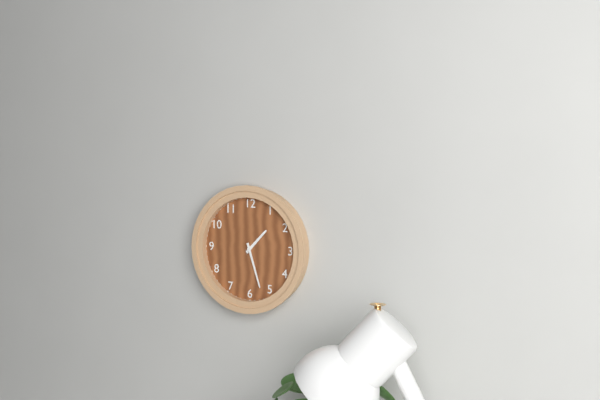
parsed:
1:27
